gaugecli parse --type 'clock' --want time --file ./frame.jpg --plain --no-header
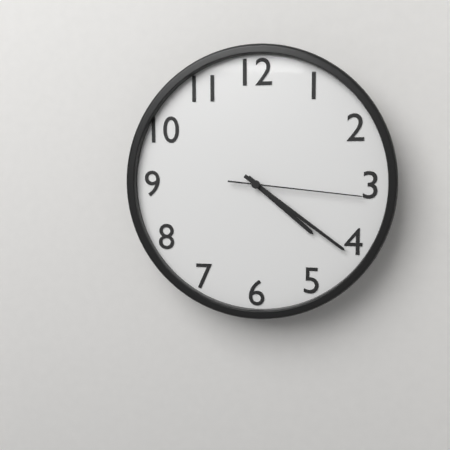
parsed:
4:21:16
